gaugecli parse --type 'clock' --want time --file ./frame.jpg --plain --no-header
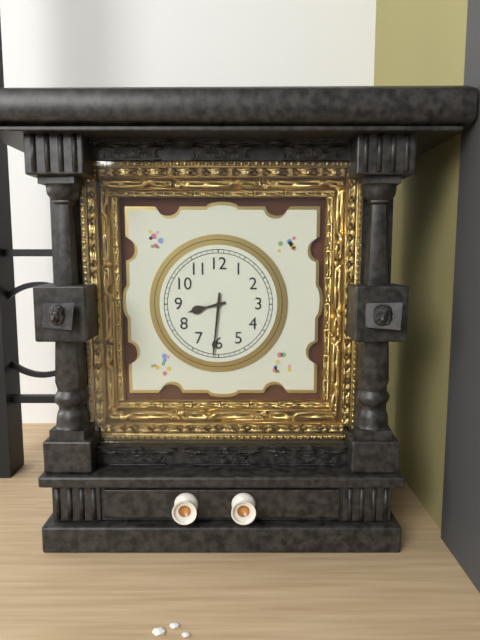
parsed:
8:31
